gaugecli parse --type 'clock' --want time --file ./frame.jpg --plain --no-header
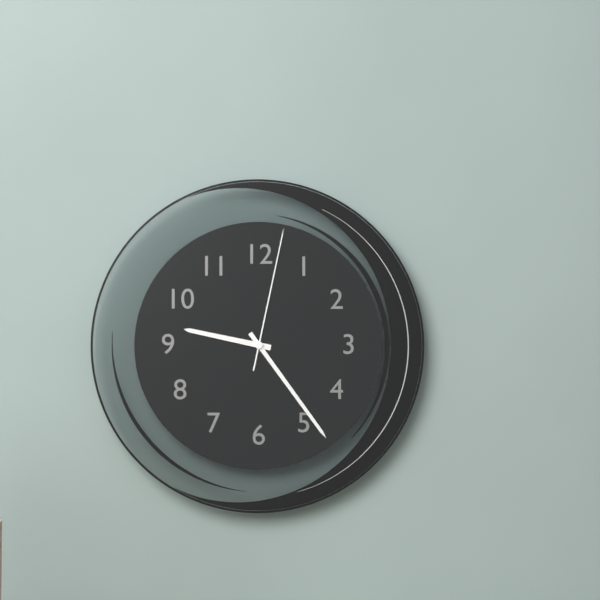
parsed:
9:24:02
